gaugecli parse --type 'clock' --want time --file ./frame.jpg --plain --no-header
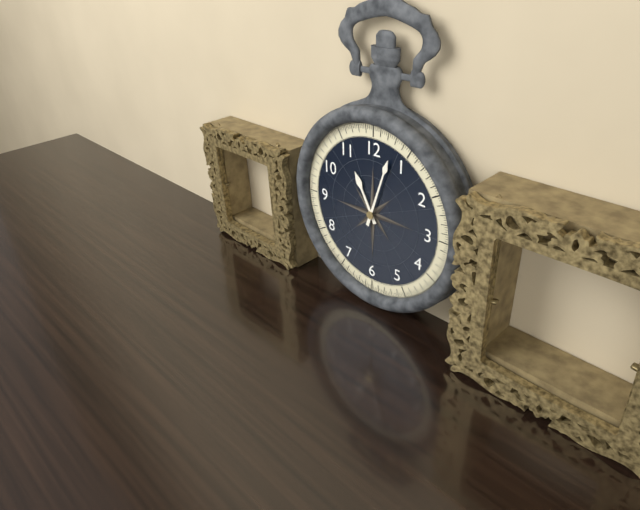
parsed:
11:03
